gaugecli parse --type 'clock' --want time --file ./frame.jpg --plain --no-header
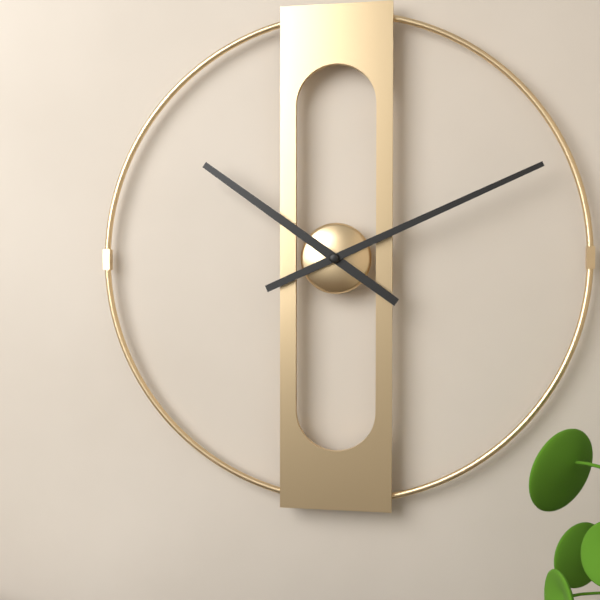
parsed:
10:11
